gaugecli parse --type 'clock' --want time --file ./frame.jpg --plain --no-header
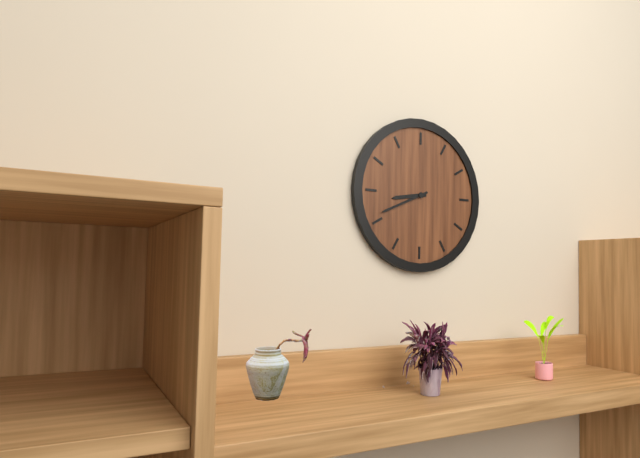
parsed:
8:41
